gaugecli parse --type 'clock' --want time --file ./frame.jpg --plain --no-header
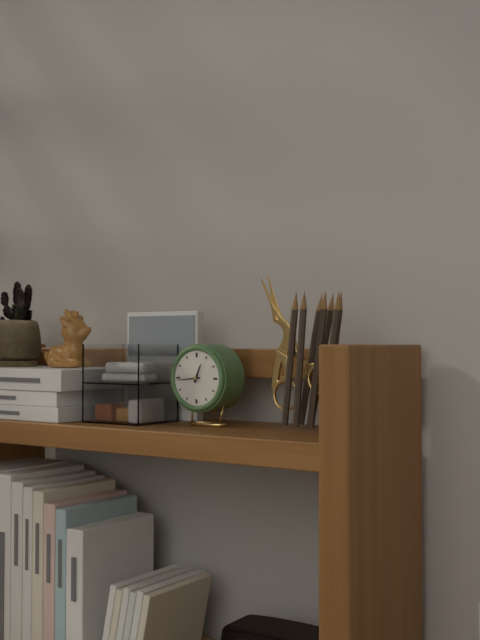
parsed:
12:44
